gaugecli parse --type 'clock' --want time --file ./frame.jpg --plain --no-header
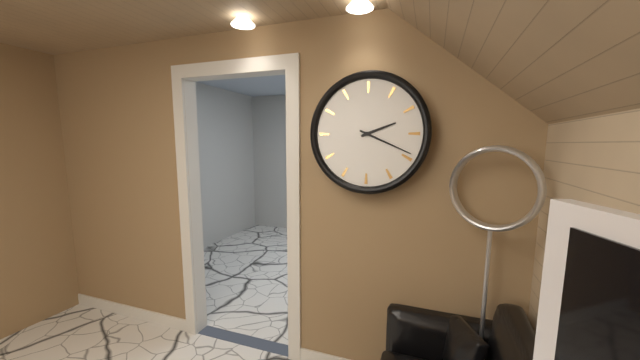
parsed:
2:19
